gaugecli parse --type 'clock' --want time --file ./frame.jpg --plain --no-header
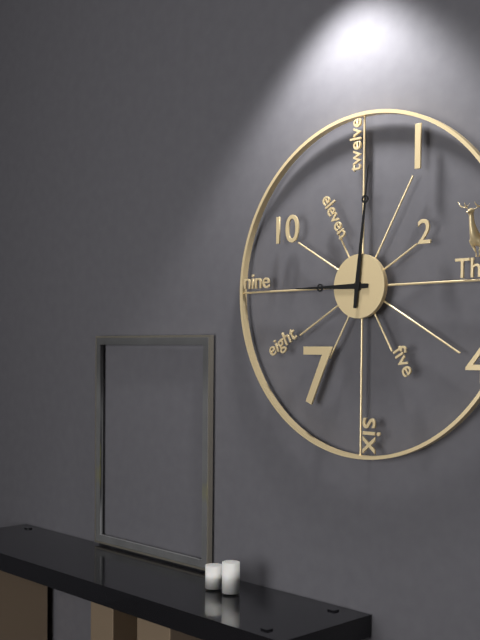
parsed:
9:01
